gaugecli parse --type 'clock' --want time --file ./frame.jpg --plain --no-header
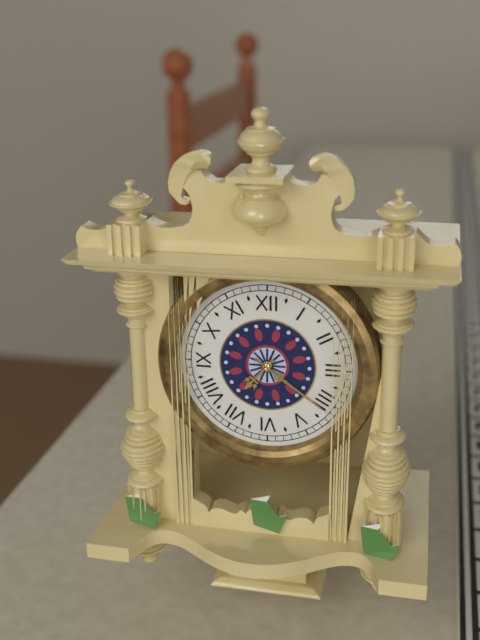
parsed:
7:21
